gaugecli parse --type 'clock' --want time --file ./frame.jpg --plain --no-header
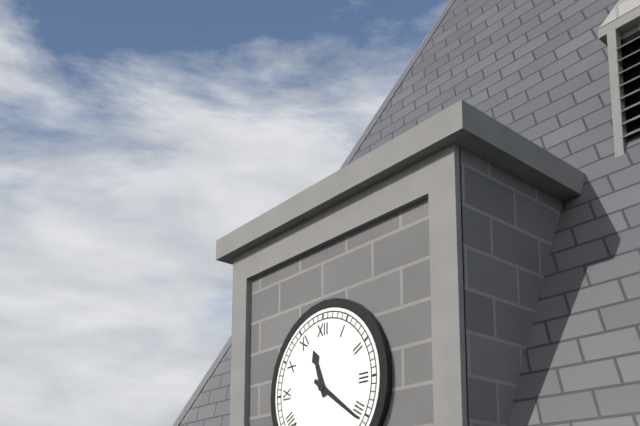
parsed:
11:21
